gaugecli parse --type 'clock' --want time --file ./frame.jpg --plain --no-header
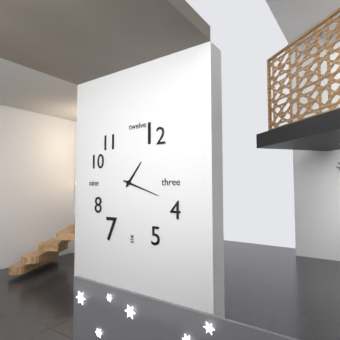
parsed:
1:18
